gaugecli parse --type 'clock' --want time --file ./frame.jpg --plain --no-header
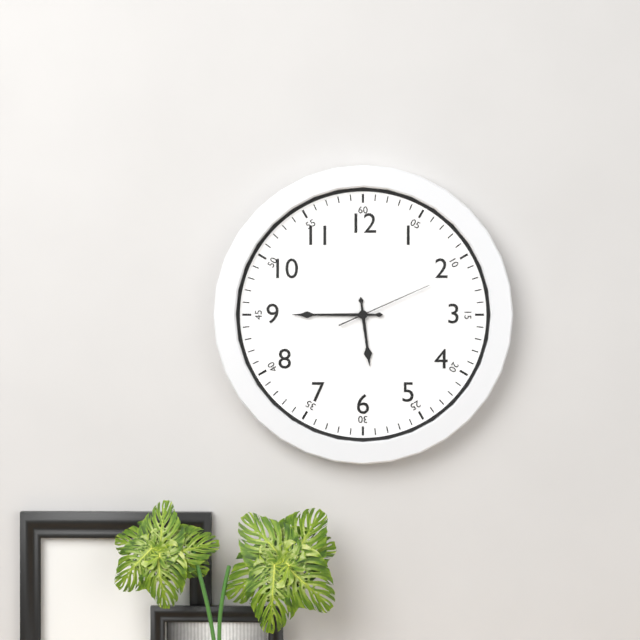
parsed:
5:45:11
